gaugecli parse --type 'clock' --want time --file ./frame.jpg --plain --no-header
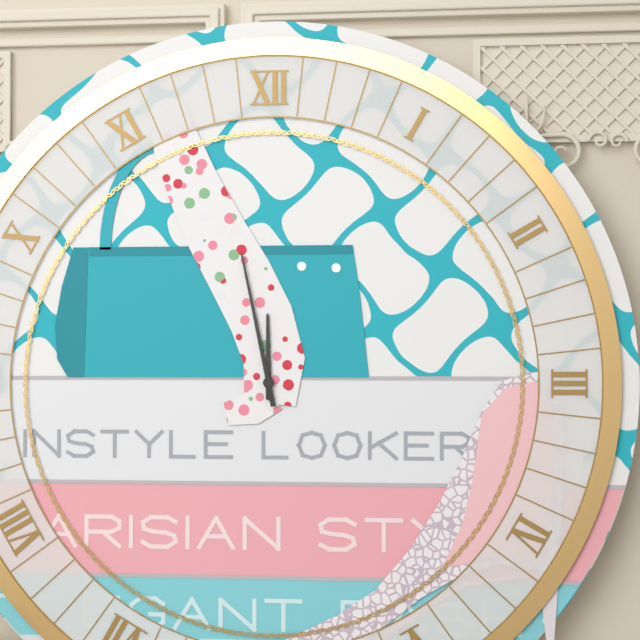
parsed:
11:58
